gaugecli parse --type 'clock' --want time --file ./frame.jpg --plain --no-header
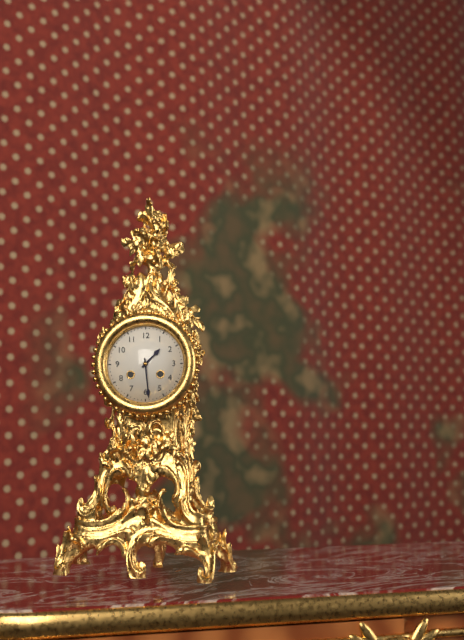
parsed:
1:29
